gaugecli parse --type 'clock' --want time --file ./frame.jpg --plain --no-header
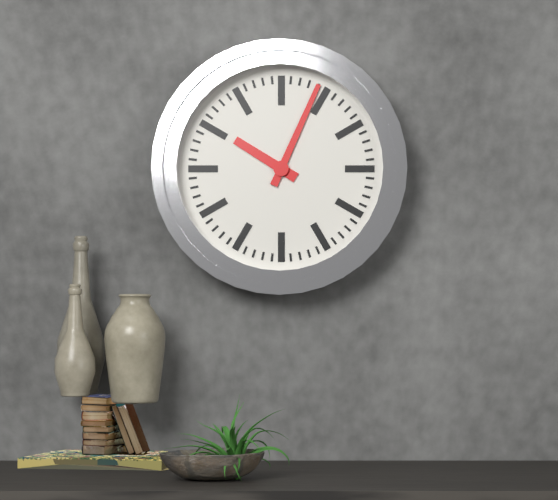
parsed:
10:04
